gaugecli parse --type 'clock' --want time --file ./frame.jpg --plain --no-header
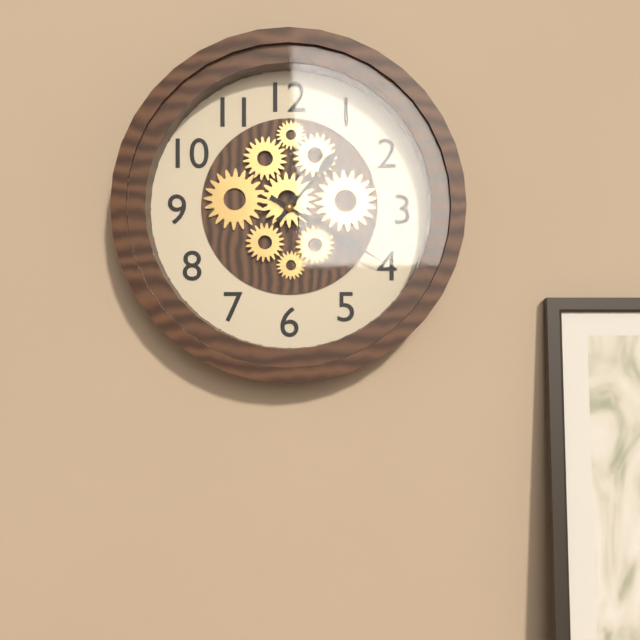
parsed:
1:20
